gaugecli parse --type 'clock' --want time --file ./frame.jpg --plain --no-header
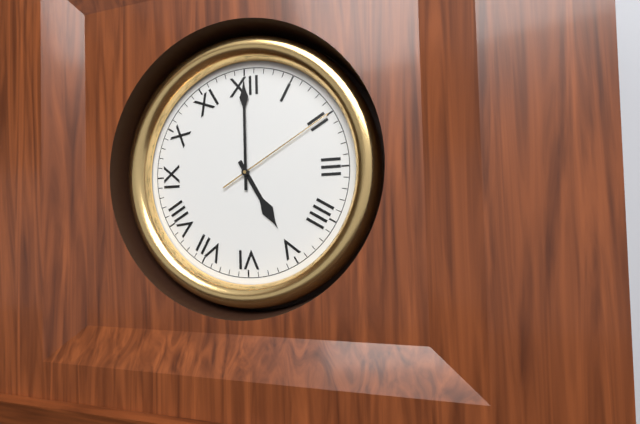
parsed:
5:00:10
